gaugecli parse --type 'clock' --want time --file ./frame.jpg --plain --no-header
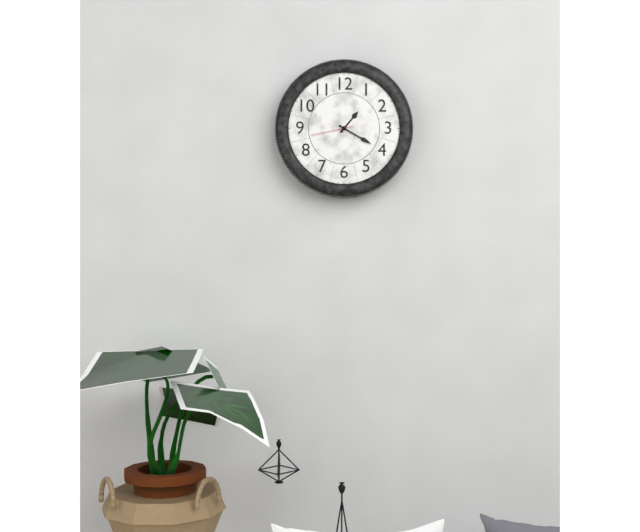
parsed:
1:20
